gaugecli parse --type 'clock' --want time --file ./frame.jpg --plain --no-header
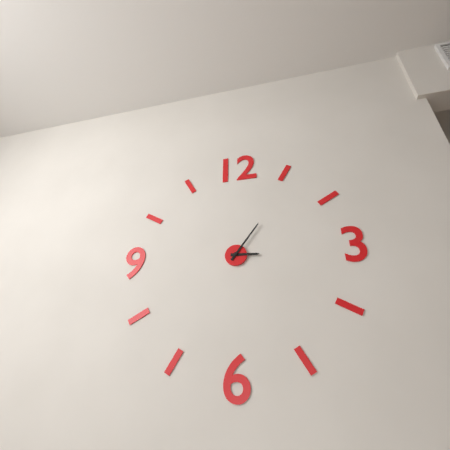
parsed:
3:06
